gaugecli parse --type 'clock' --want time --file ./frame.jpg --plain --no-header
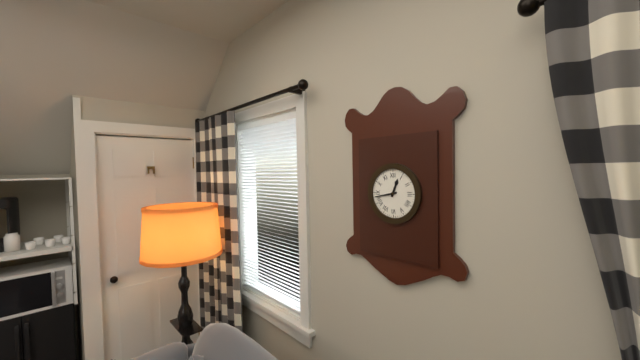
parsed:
12:43
